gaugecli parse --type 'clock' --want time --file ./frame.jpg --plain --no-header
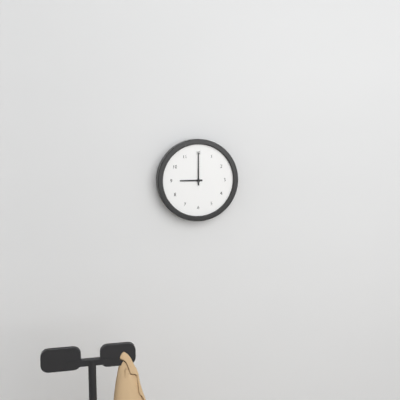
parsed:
9:00
